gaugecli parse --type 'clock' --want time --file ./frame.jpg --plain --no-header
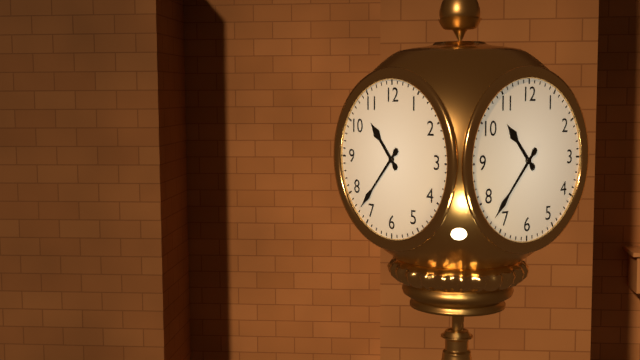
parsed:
10:37
